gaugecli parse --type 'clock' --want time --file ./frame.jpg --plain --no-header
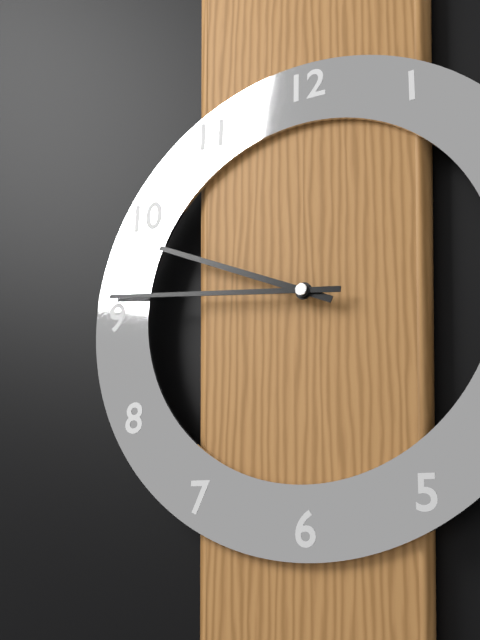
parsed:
9:46
